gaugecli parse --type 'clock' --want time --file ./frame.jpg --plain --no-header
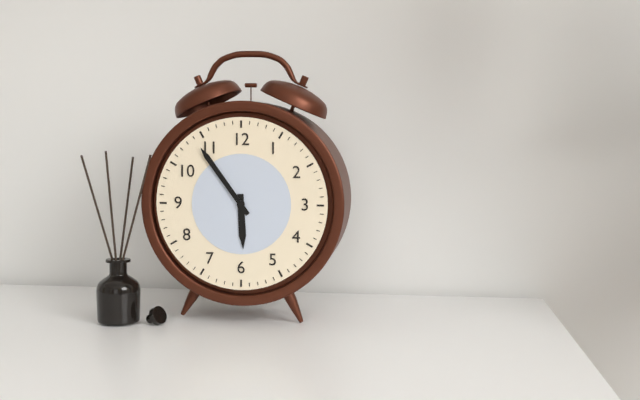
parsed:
5:54
